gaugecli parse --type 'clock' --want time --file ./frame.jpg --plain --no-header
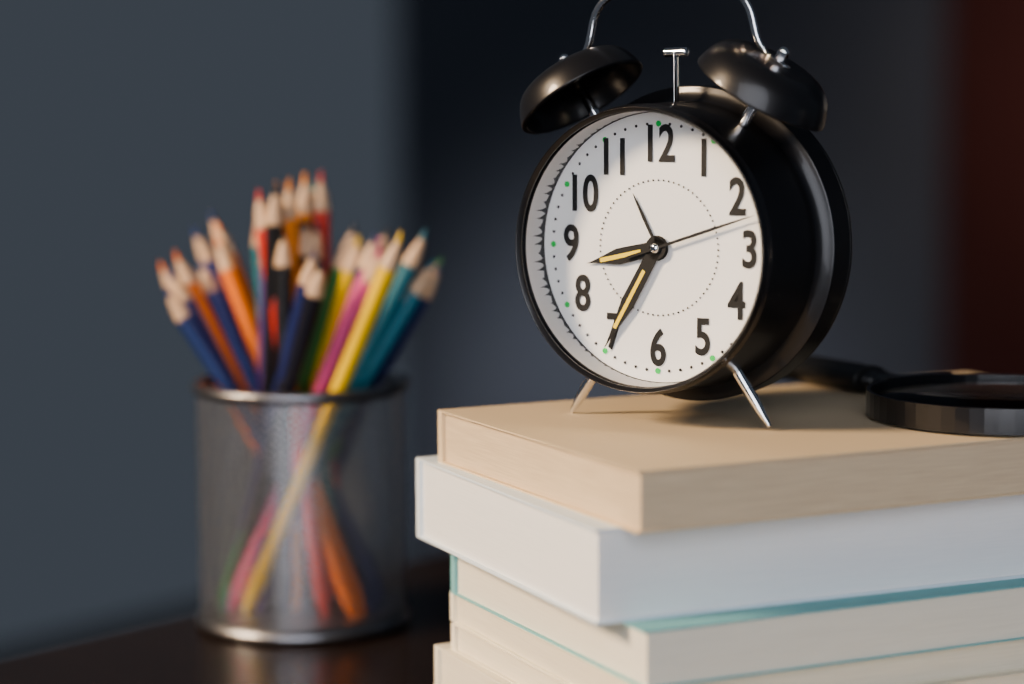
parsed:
8:35:12
